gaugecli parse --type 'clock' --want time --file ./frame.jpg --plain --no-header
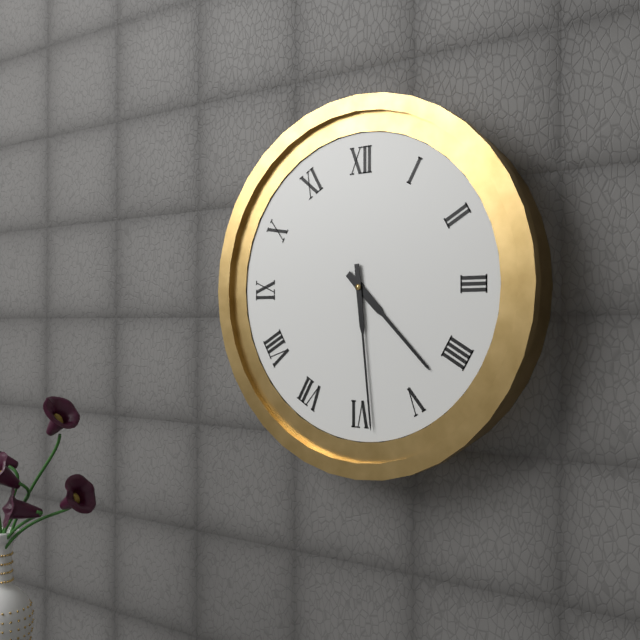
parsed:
4:29
